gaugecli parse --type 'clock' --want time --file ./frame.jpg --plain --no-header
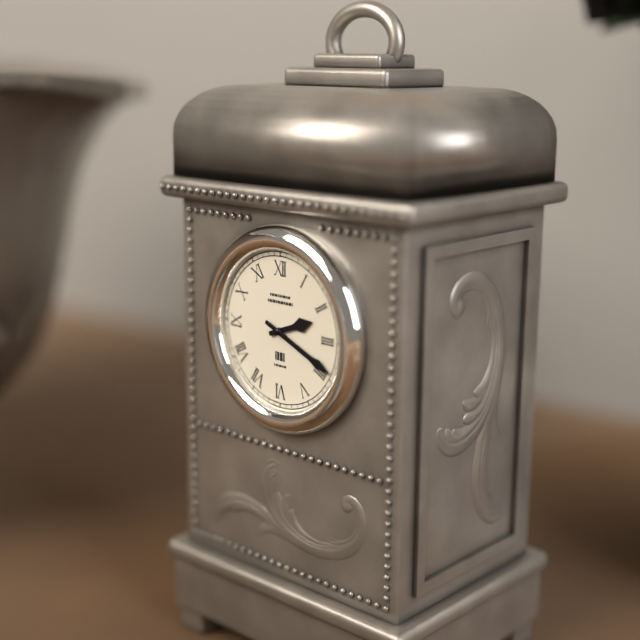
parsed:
2:19
